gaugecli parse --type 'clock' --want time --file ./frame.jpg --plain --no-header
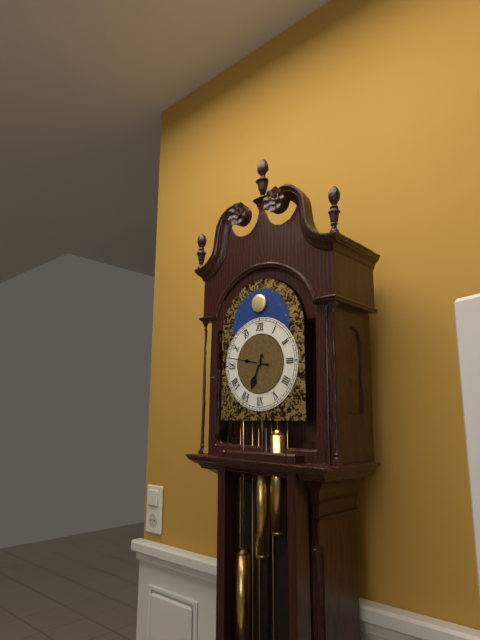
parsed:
6:47
